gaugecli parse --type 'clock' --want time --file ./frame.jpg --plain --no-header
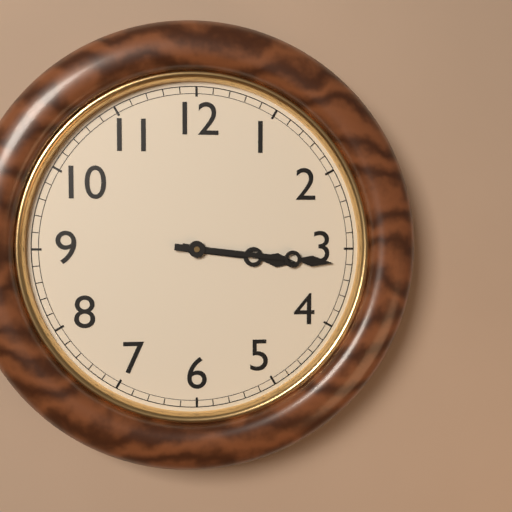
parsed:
3:16
